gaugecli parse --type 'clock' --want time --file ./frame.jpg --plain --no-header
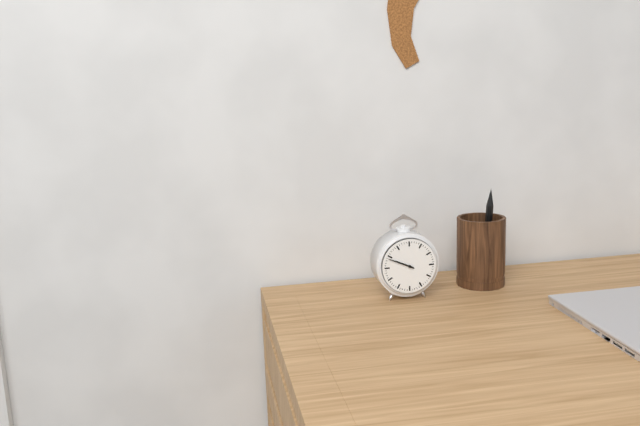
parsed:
9:49
